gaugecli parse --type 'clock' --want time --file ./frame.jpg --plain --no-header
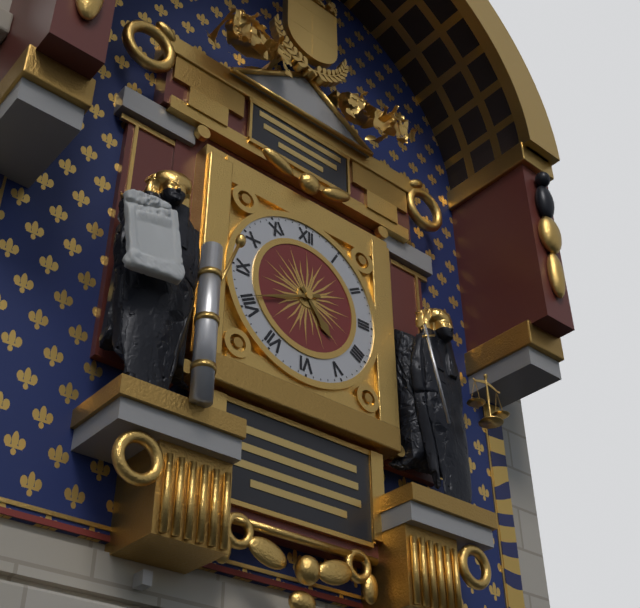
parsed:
4:41
